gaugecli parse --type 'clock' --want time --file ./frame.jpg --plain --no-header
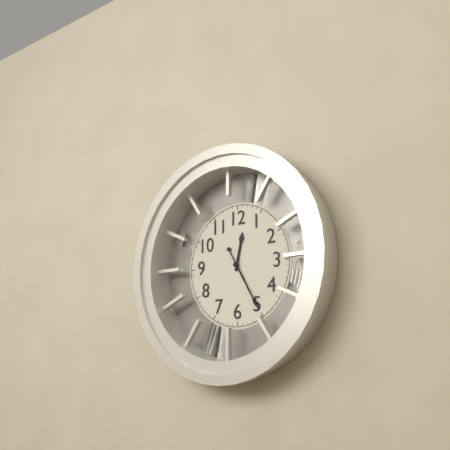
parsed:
12:25
